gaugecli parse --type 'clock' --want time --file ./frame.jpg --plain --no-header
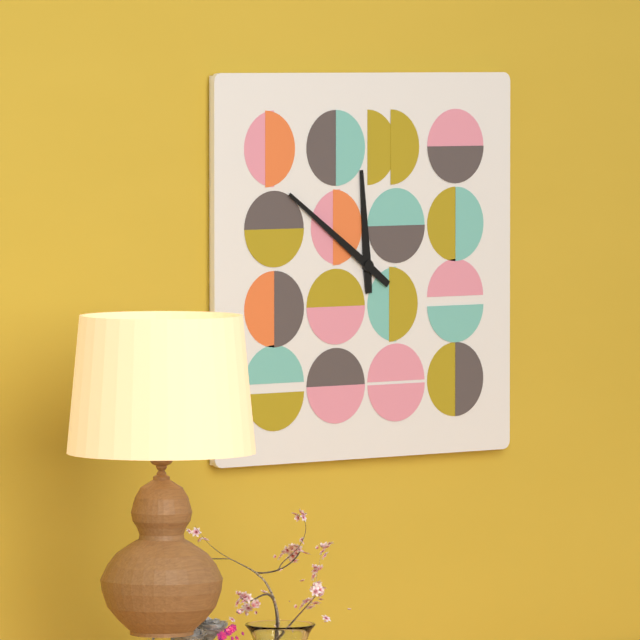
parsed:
11:51
